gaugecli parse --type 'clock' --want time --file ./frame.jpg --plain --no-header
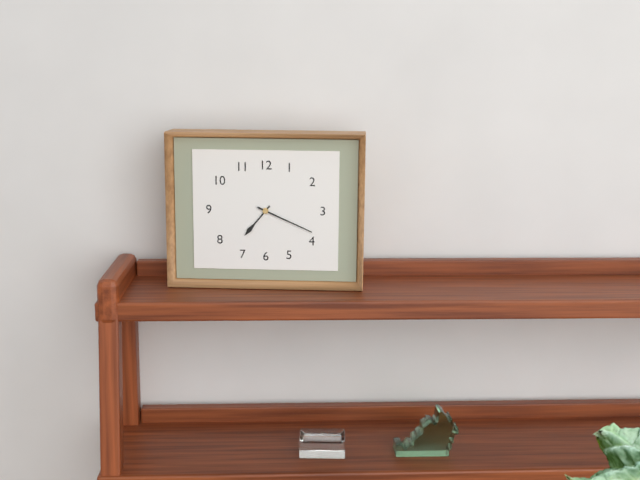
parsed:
7:19
